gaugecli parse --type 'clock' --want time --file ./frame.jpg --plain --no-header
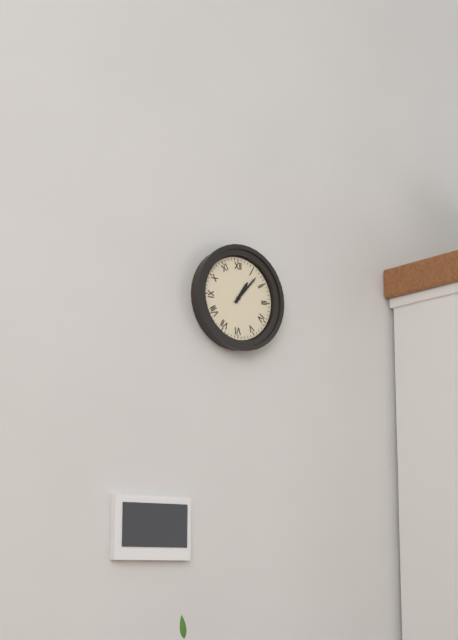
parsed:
1:07
